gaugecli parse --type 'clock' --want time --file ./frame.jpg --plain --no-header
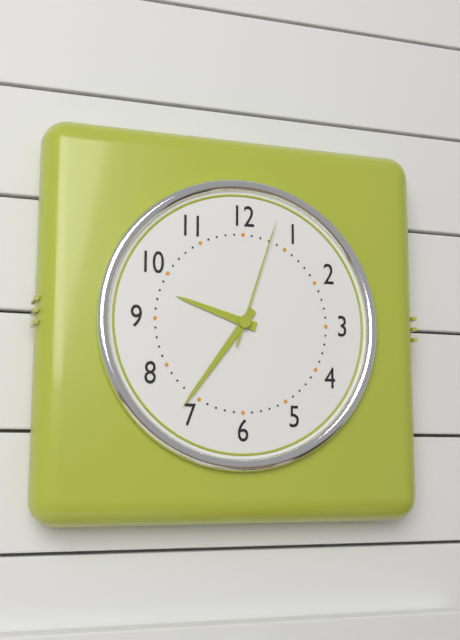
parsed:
9:36:03
